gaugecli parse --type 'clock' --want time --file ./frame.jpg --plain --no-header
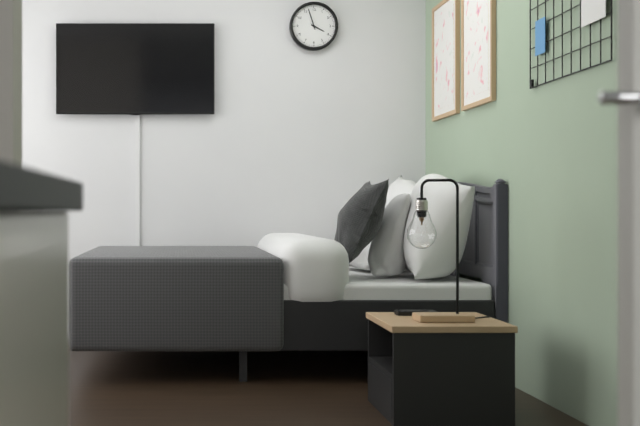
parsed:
3:57
